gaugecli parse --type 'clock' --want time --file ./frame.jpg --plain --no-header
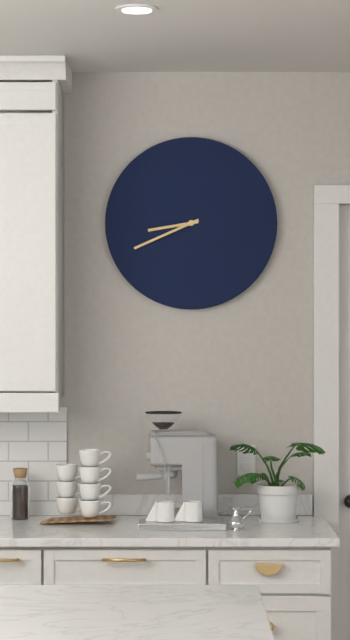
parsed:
8:41
